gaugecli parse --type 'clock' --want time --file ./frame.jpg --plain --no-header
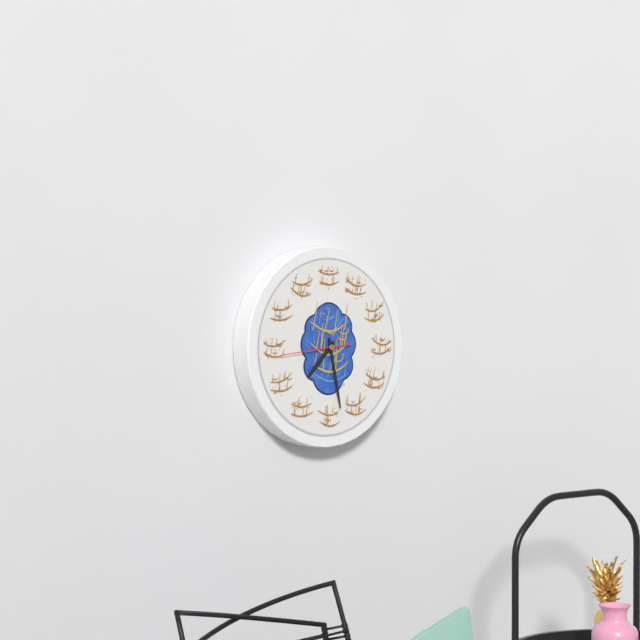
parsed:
7:28:44
